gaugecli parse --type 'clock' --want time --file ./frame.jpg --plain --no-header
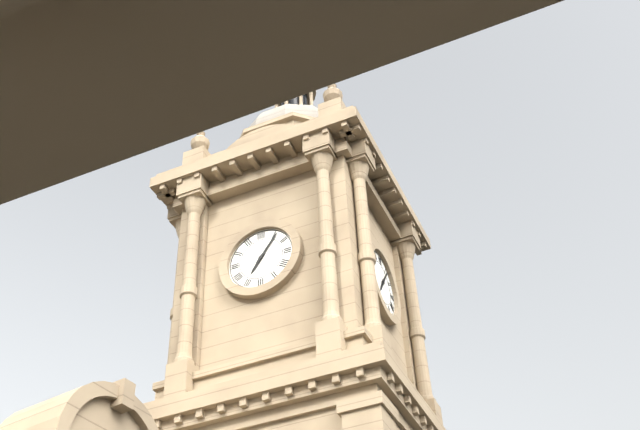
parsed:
7:06
